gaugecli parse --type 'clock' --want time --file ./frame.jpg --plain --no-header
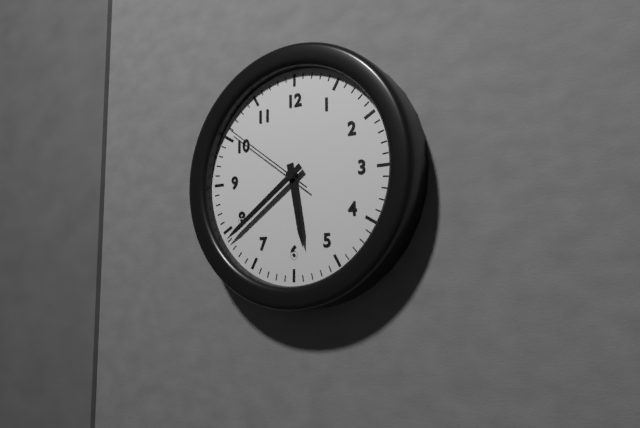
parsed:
5:39:51
